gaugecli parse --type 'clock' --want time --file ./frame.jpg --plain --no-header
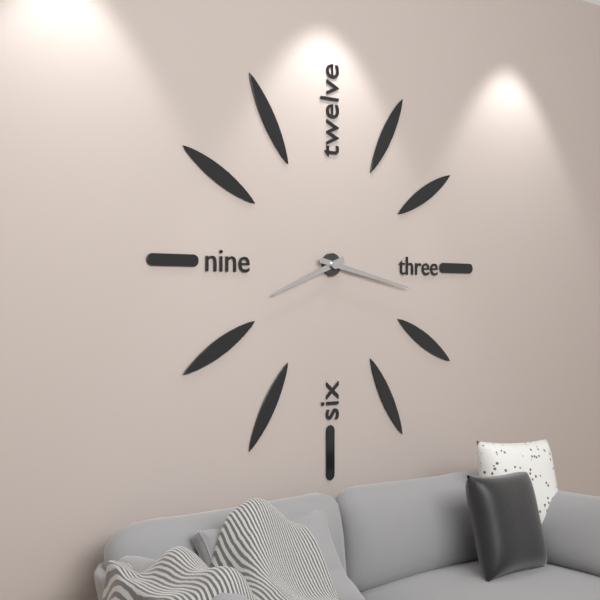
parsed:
8:17
